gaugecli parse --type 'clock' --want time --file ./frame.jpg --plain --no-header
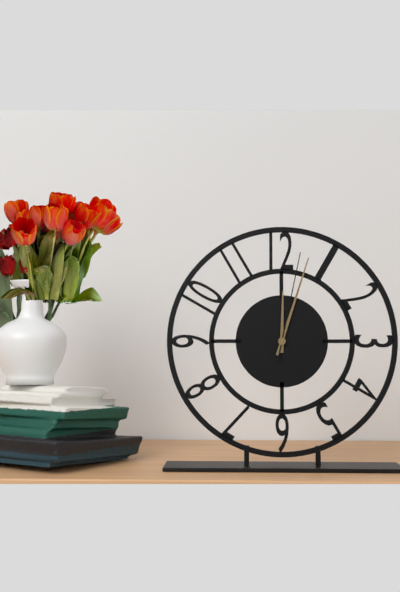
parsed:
12:03:02
